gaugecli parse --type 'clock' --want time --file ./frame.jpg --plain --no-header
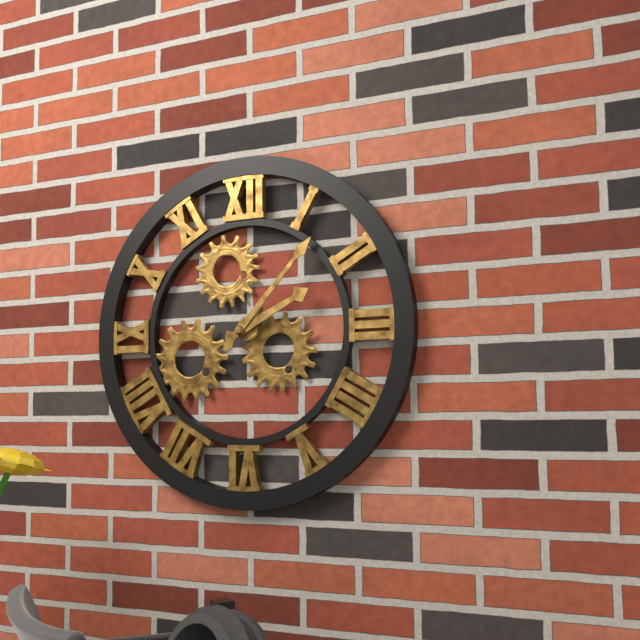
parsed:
2:07
